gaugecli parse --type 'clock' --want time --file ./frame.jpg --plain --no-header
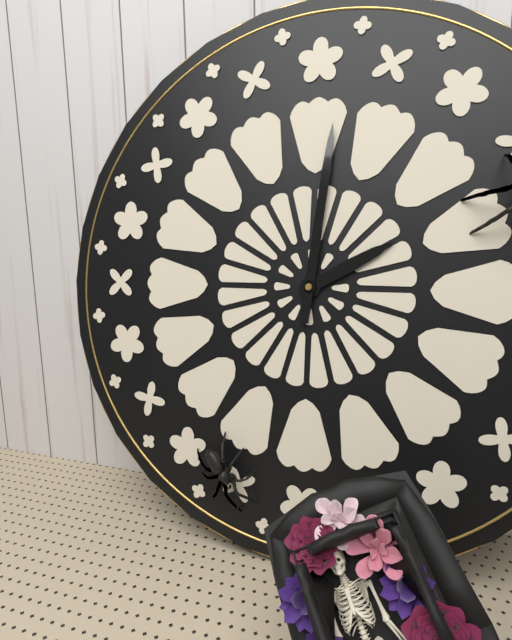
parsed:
2:01
